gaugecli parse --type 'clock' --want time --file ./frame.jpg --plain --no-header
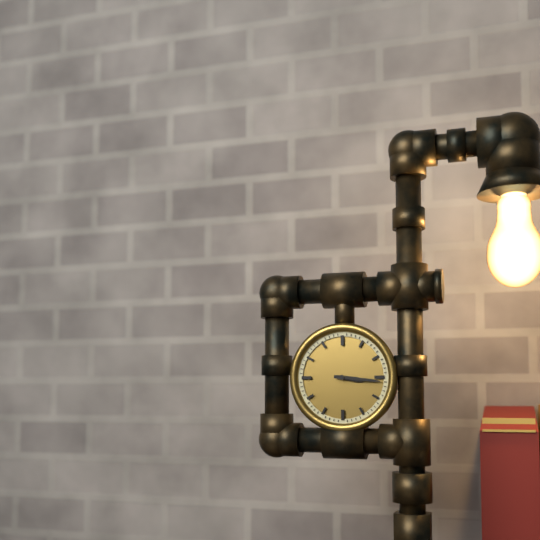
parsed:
3:16
